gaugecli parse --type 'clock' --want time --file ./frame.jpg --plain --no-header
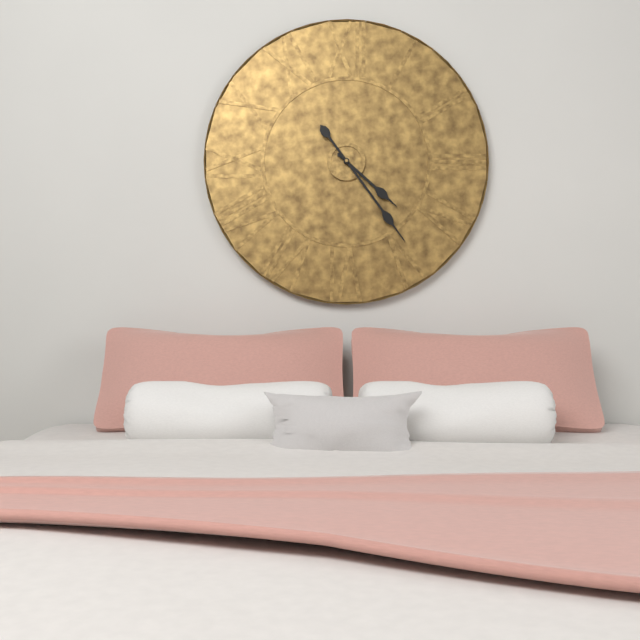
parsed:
4:24
